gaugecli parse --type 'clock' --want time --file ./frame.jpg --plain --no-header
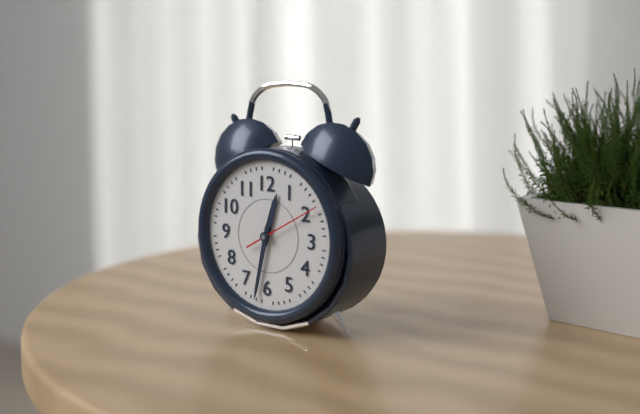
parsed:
12:32:10
